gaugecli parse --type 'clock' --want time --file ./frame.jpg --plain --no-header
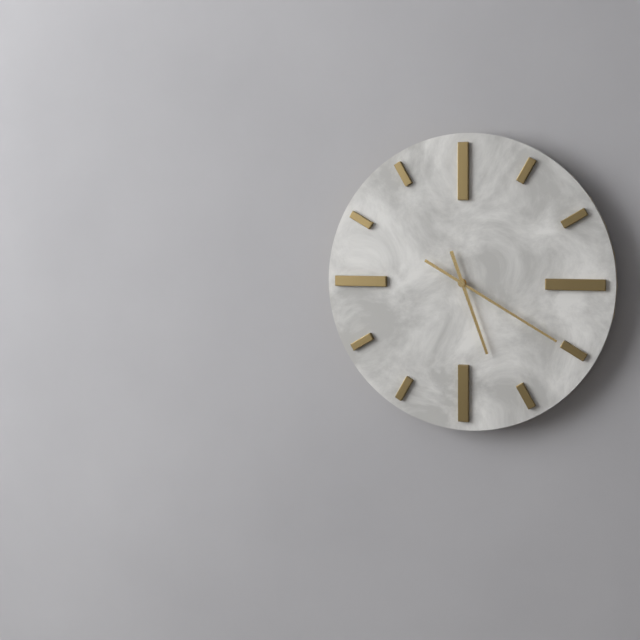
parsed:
5:20
